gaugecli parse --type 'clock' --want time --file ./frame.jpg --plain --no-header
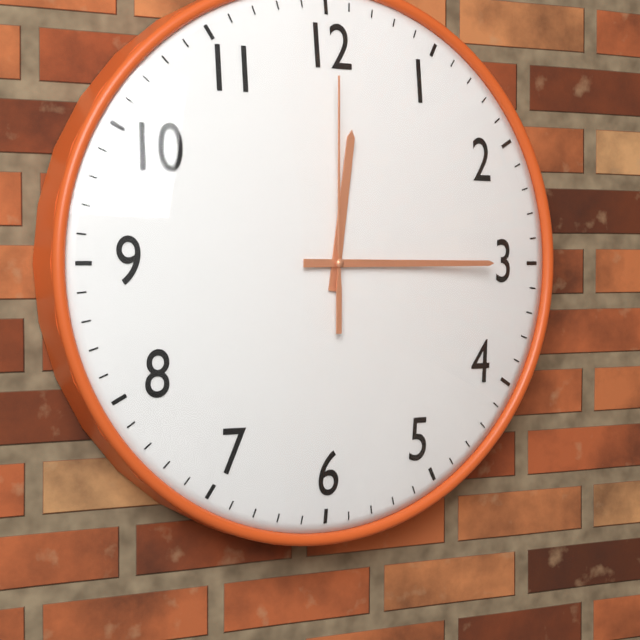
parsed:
12:15:00
